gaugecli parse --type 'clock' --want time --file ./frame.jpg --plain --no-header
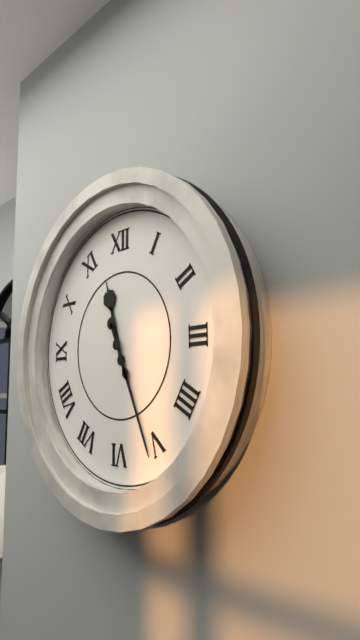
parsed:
11:26
